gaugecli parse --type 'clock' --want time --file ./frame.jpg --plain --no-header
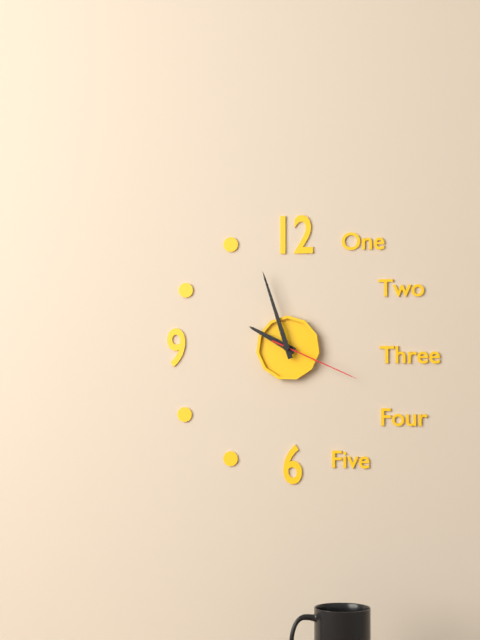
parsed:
9:57:19
